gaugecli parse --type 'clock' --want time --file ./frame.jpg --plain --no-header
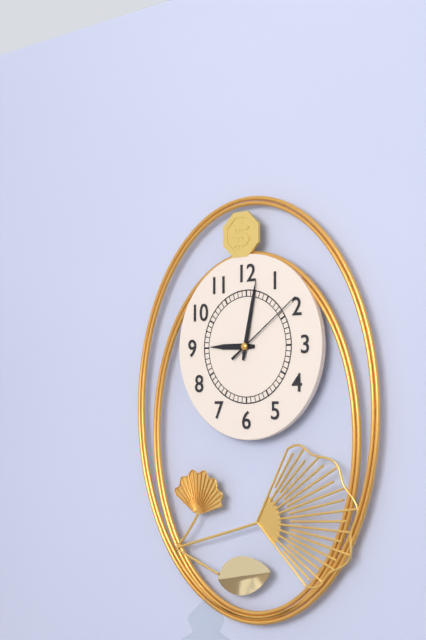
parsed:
9:02:09
